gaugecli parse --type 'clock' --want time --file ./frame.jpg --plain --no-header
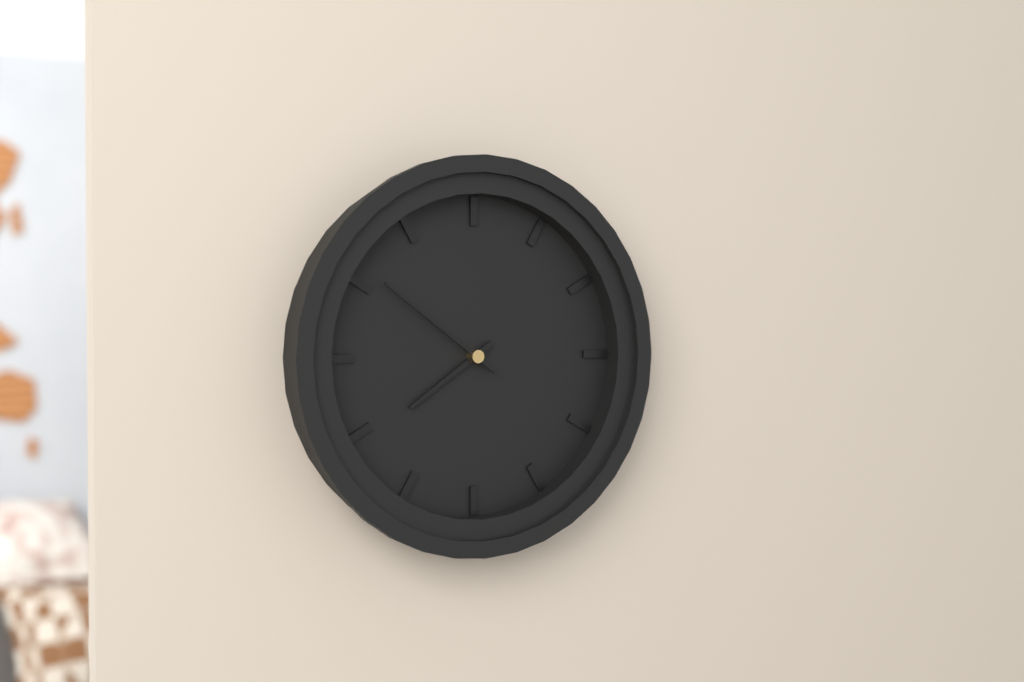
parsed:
7:51
